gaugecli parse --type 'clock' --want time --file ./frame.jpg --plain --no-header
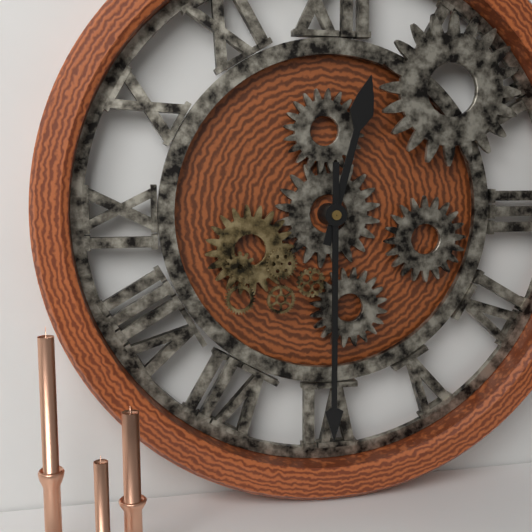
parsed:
12:30
